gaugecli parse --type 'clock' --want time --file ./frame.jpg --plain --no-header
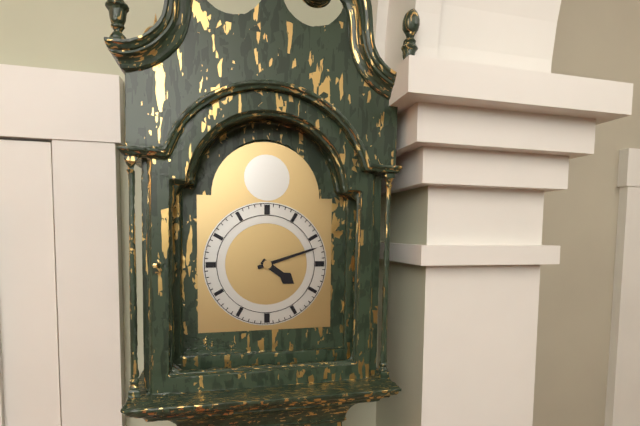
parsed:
4:12
